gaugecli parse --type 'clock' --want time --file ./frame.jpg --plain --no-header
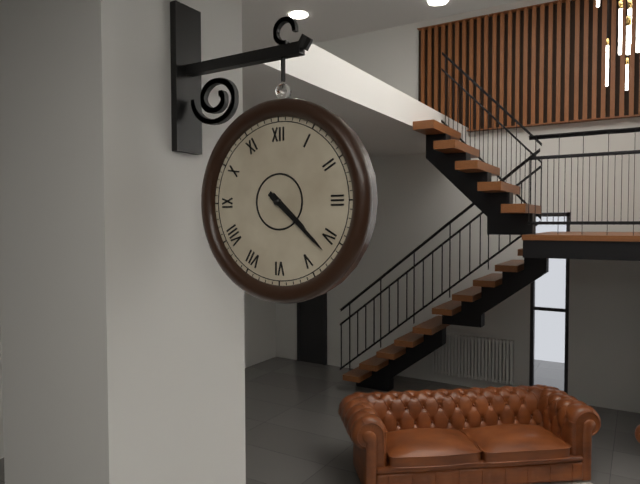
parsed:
4:22
